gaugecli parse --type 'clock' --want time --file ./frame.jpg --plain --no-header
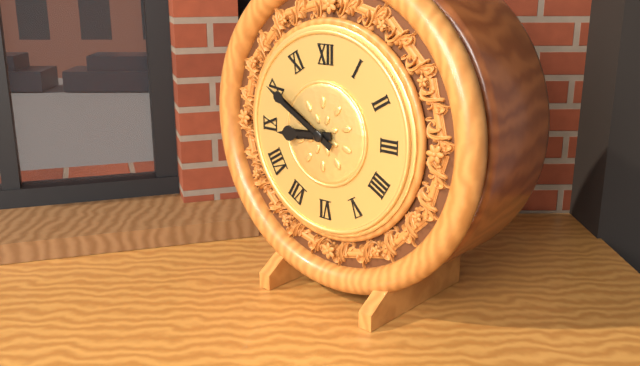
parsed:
8:50
